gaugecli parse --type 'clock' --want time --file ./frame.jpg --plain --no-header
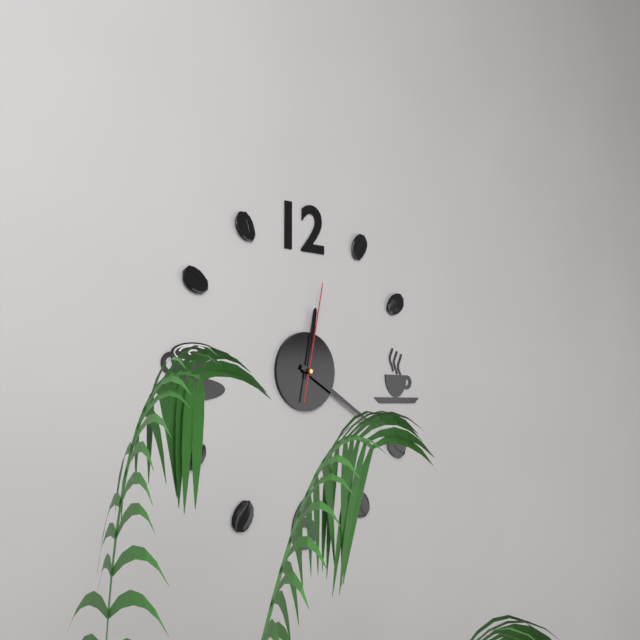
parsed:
12:20:02
